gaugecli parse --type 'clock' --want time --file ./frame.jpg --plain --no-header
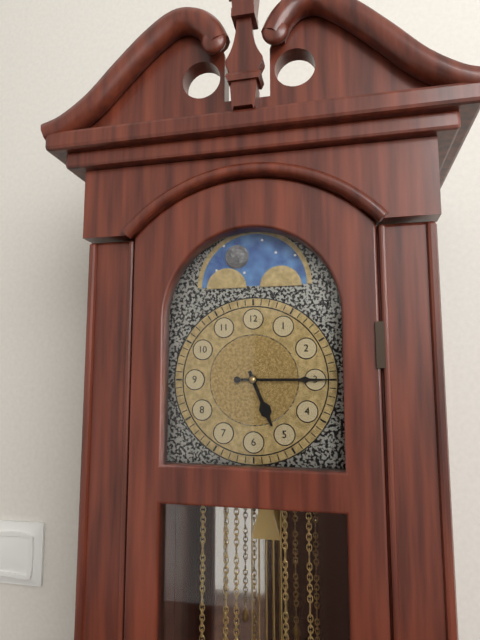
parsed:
5:15
